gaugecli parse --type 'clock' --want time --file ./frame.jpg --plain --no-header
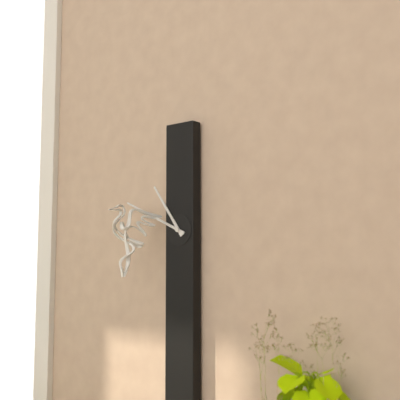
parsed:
10:49
